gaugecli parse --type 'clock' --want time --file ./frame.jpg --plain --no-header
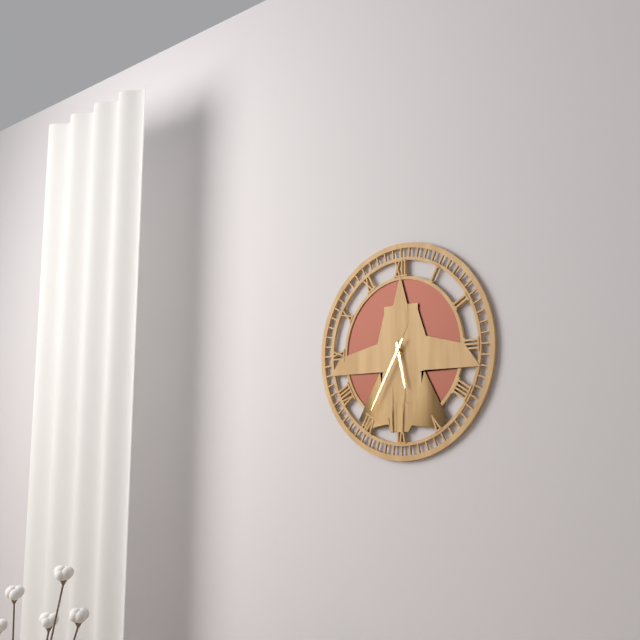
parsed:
5:35
